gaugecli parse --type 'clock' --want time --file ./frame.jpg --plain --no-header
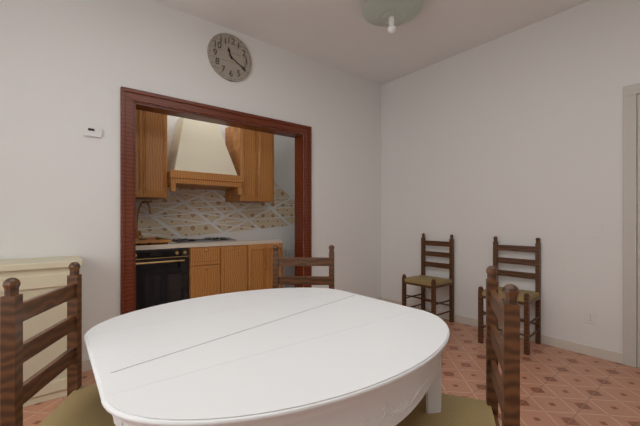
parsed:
11:20
